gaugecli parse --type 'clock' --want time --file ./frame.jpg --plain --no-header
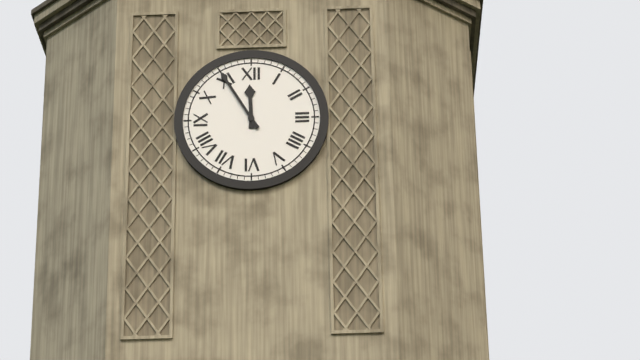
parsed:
11:55
